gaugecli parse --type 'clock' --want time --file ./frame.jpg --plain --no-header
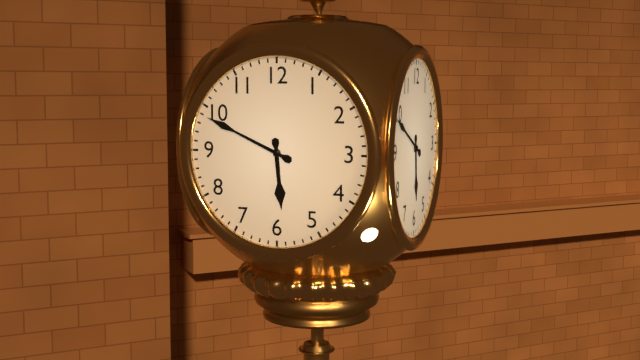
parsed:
5:49
